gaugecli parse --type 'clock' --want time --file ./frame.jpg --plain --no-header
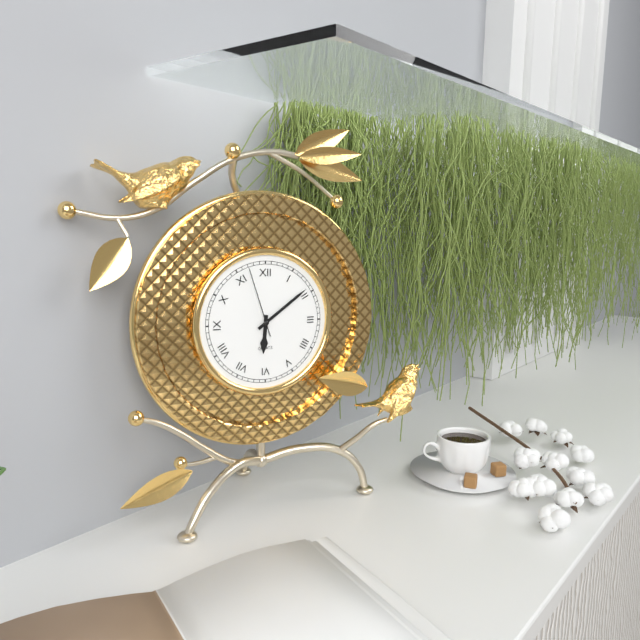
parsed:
6:09:57
